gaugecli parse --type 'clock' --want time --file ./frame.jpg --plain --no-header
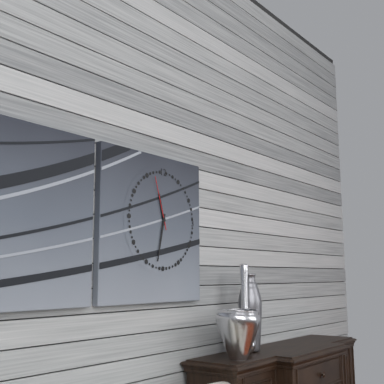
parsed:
11:32:57
